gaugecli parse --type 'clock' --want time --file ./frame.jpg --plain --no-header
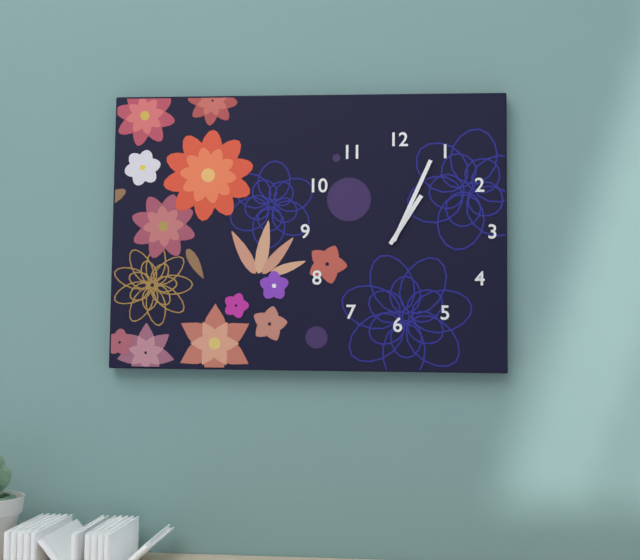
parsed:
1:04
